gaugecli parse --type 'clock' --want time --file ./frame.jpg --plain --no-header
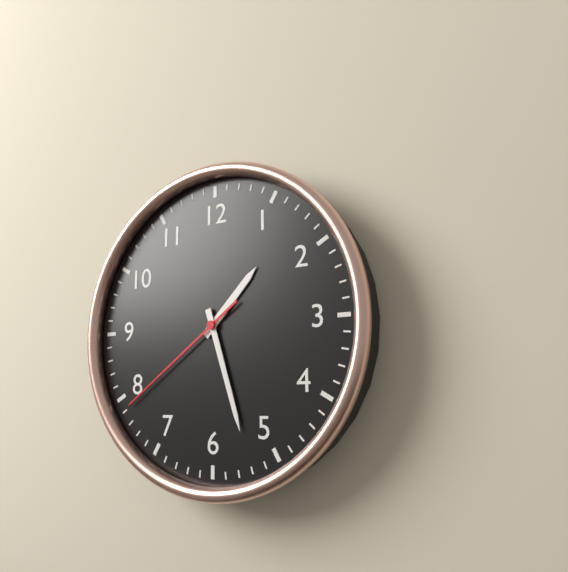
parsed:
1:27:39
